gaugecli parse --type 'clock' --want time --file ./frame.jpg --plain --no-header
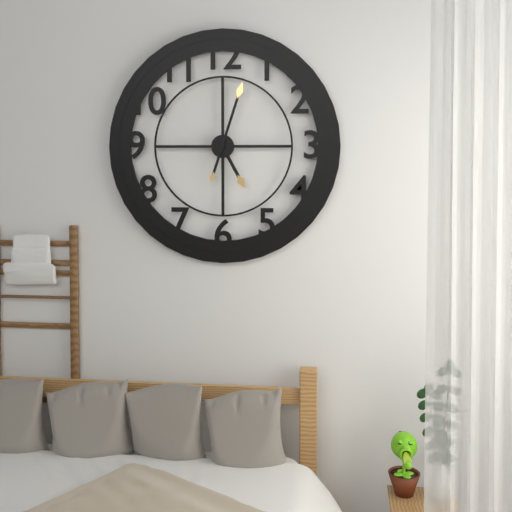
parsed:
5:03
